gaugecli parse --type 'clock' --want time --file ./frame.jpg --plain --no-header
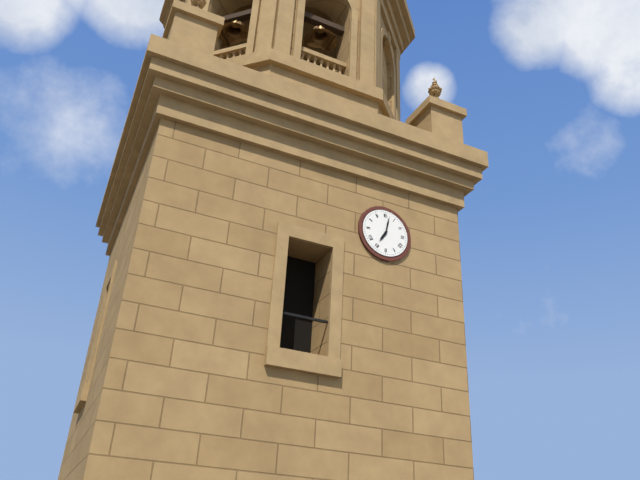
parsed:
7:02
